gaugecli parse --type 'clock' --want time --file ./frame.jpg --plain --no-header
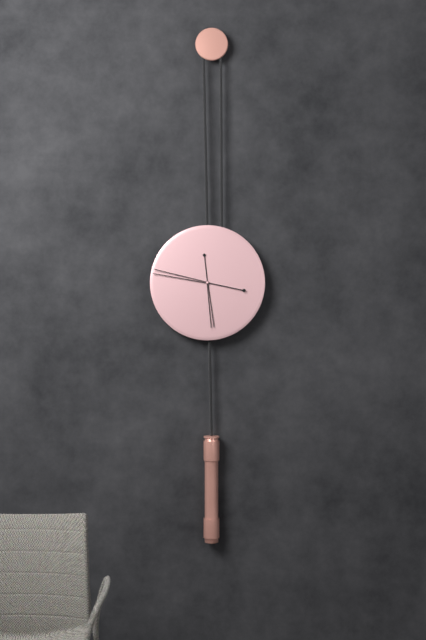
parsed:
5:47
